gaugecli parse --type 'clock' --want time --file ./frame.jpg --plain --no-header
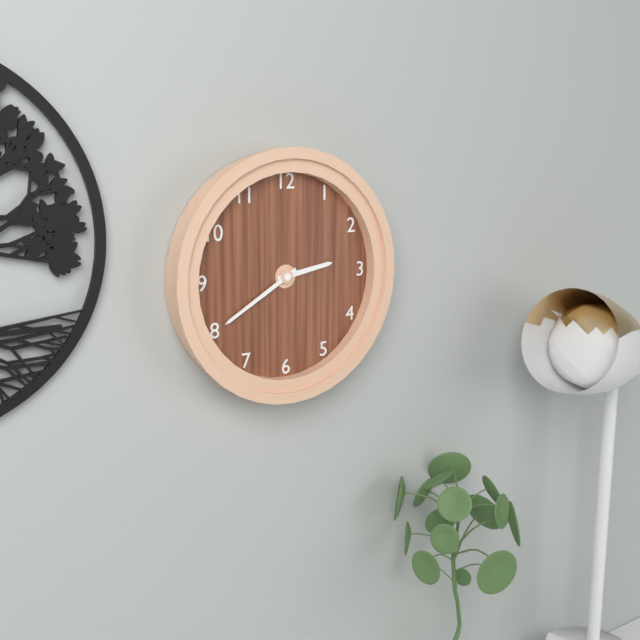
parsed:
2:40
